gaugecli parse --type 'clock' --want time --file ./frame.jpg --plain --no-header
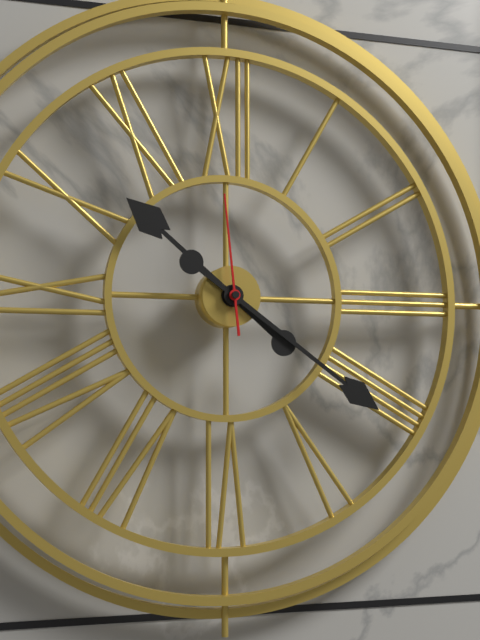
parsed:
10:21:59
